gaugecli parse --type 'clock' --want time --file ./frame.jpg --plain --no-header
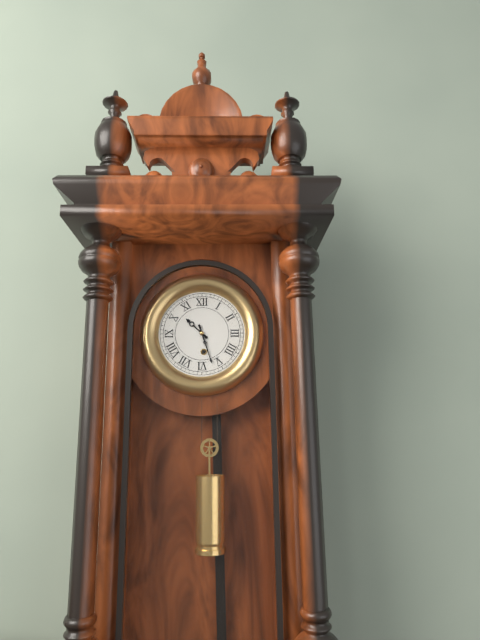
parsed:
10:27
